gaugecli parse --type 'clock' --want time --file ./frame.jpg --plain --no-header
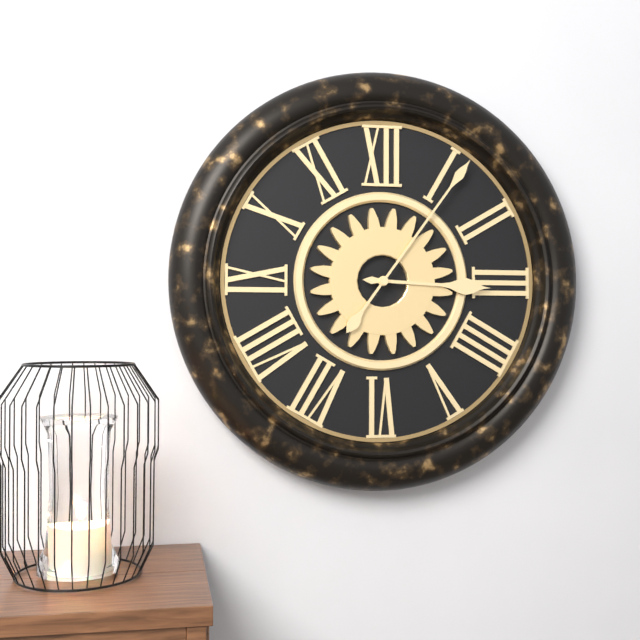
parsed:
3:06
